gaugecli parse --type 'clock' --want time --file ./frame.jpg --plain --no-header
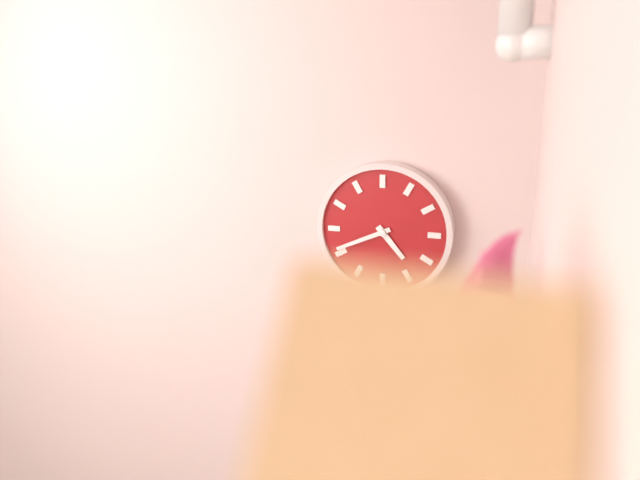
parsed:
4:41
